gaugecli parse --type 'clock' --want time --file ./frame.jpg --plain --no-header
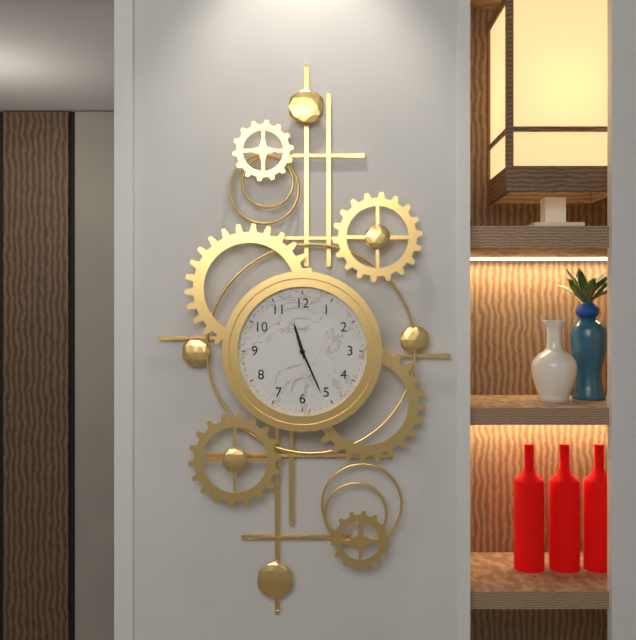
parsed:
11:26
